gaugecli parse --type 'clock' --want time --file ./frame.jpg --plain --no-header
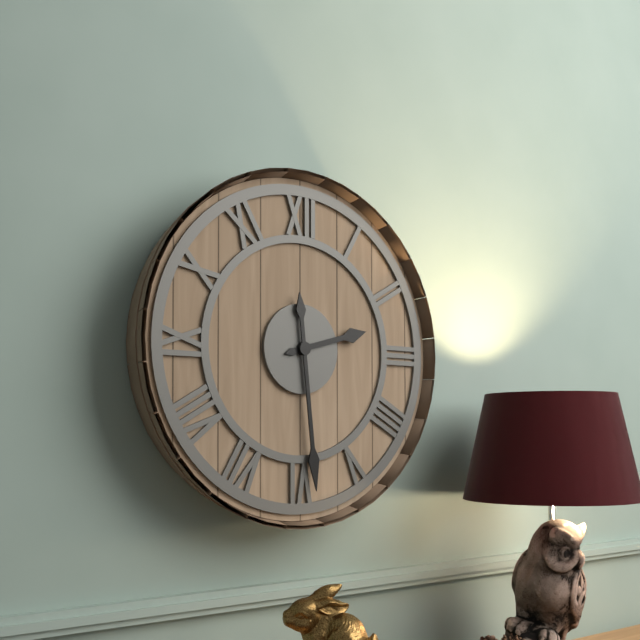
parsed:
2:29
